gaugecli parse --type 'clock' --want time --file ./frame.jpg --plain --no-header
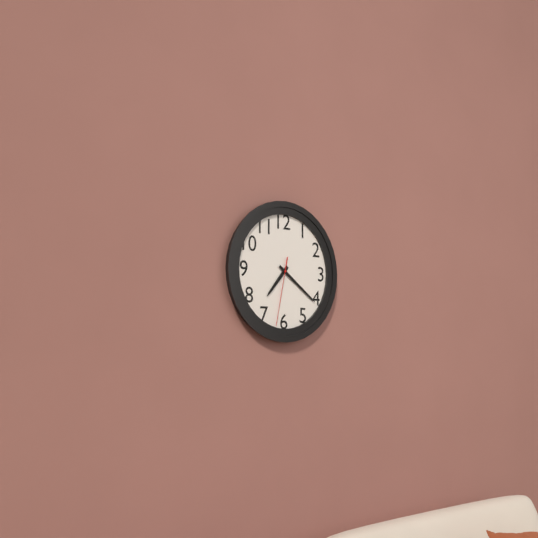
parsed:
7:21:32
